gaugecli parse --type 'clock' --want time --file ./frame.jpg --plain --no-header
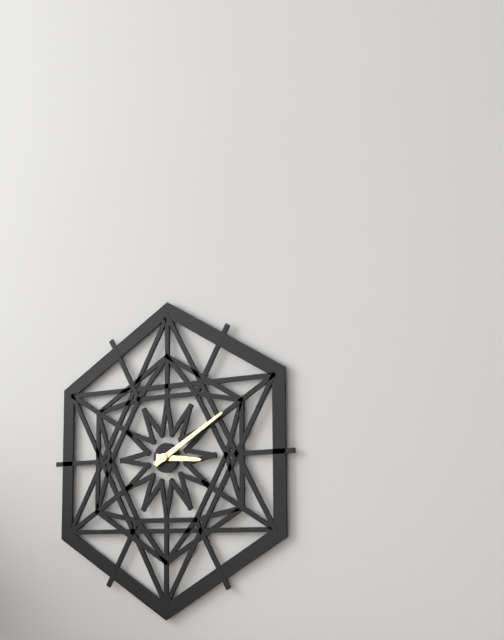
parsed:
3:10
